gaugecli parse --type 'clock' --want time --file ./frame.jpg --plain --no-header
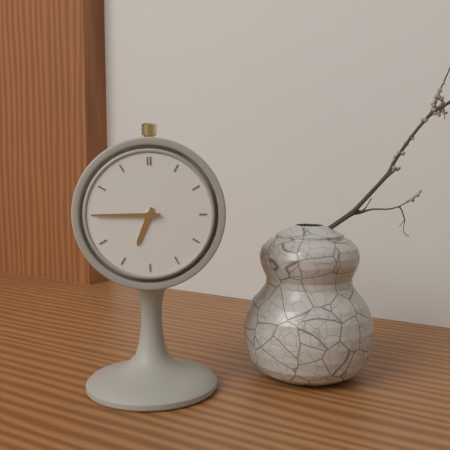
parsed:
6:45
